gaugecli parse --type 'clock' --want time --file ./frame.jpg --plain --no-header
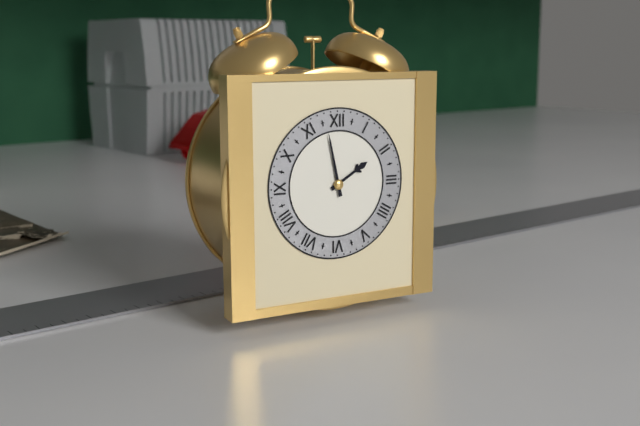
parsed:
1:58
